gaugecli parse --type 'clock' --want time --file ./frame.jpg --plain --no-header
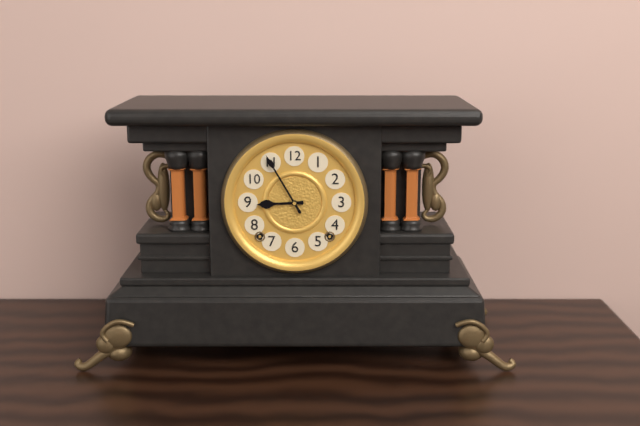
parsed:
8:55
